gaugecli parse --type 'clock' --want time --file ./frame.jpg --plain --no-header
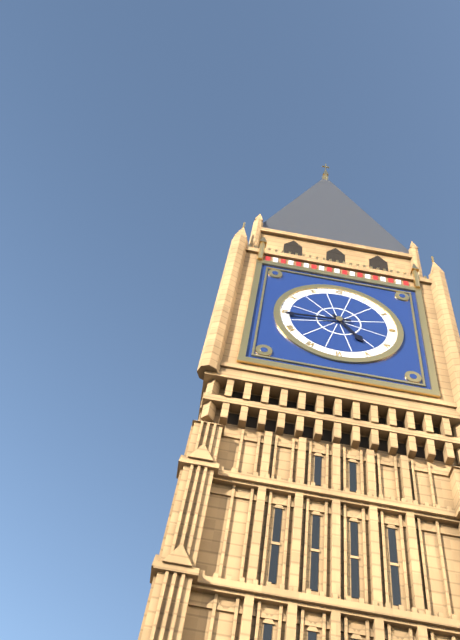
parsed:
4:44
